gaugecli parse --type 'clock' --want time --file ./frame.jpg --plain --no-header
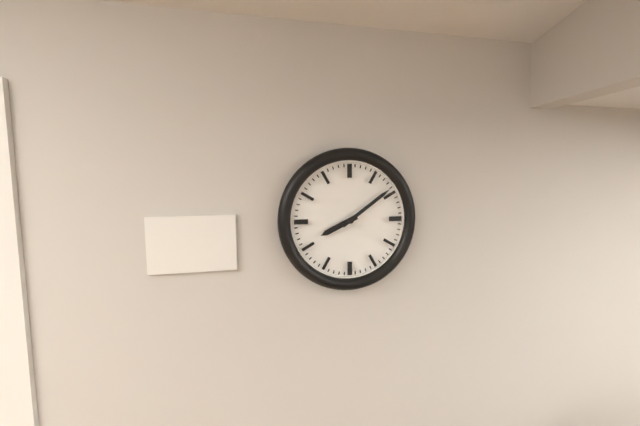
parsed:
8:09
